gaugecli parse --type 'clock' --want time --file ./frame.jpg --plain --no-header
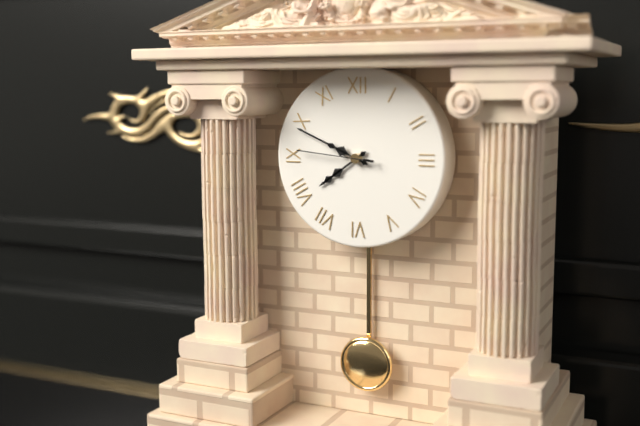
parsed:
7:49:46
